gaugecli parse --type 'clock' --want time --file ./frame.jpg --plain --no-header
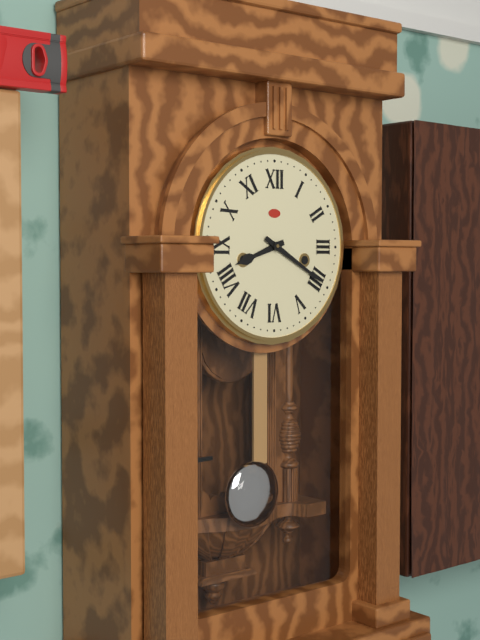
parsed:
8:20
